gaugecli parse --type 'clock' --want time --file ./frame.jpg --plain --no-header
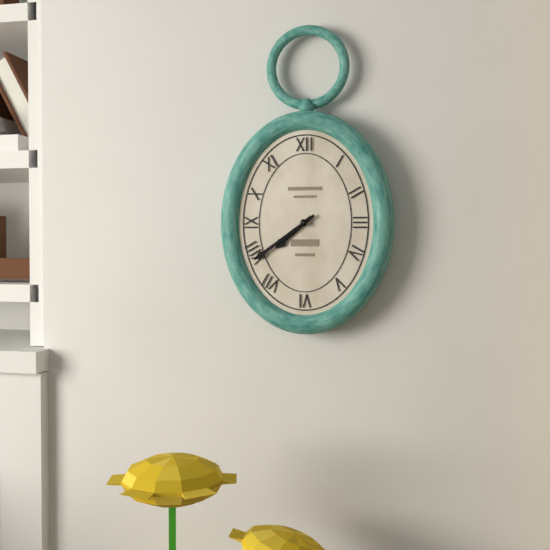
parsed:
7:39
